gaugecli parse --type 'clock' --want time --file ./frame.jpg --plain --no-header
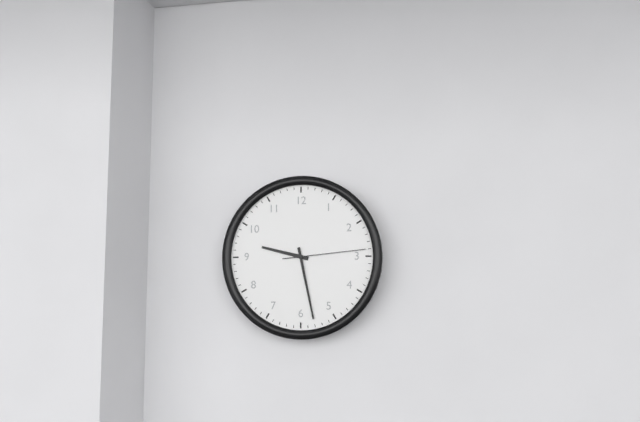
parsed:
9:28:14
